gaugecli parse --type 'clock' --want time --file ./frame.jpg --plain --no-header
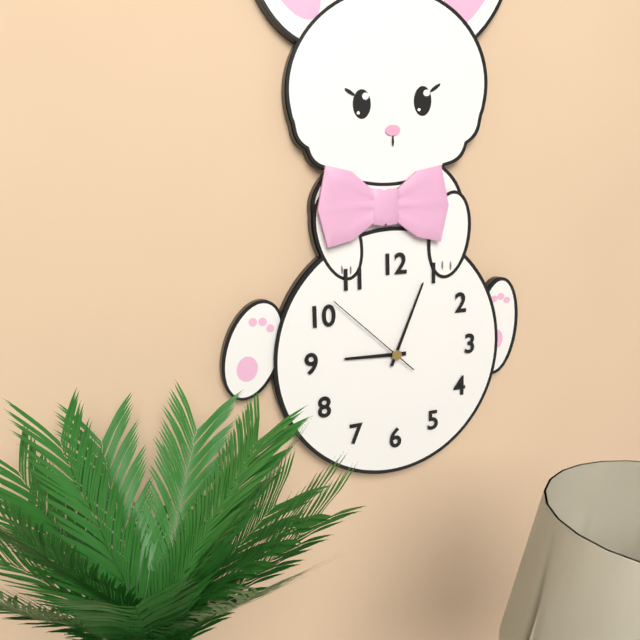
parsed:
9:04:52
